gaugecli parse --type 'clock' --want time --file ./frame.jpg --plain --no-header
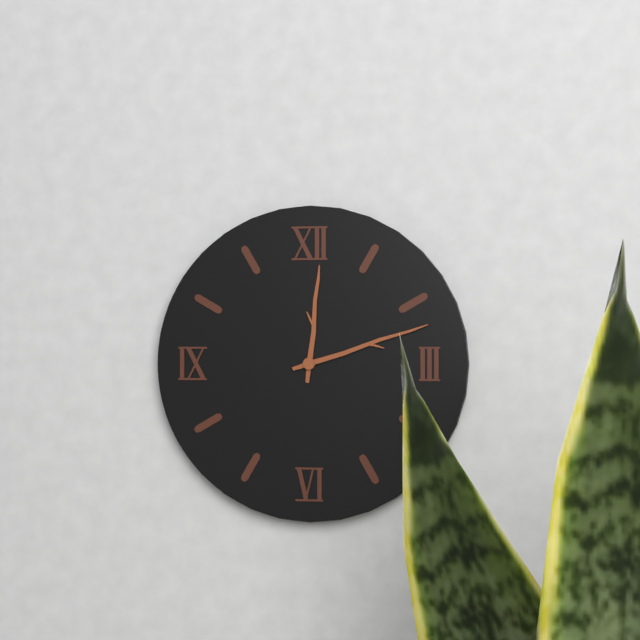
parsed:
12:12
